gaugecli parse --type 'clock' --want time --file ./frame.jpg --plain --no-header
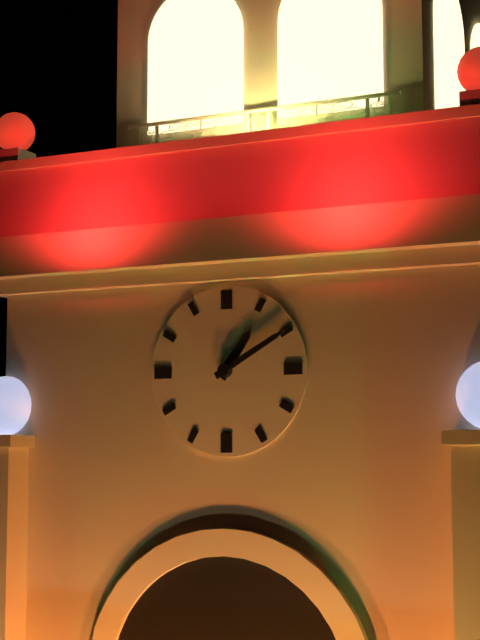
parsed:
1:10
